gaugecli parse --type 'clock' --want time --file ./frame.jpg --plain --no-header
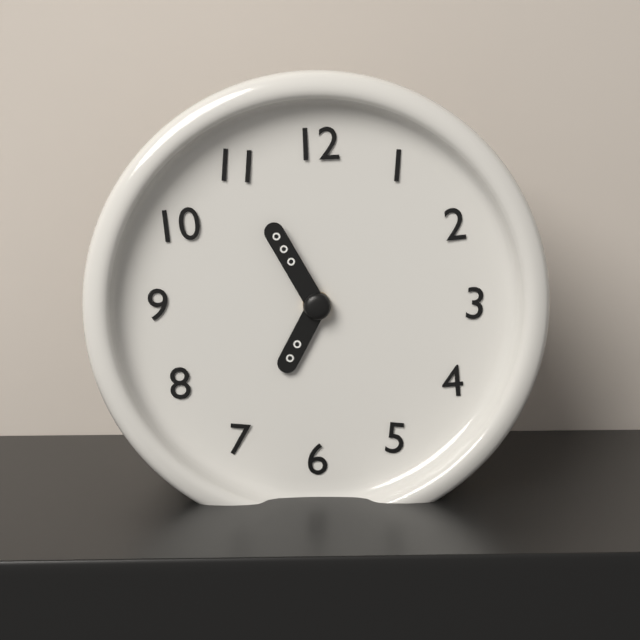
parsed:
6:55
